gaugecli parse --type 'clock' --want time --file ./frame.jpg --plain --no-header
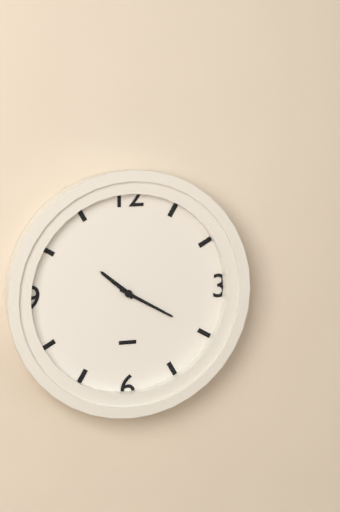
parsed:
10:20
